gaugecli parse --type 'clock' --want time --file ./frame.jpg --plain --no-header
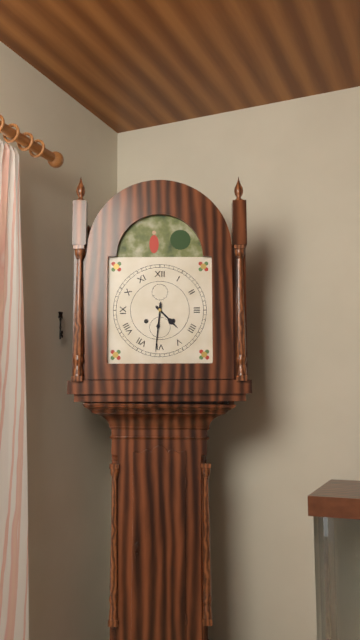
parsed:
4:31
